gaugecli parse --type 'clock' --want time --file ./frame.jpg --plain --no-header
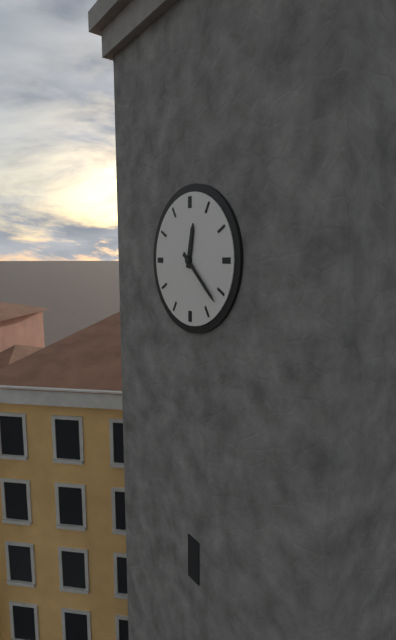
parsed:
12:22
